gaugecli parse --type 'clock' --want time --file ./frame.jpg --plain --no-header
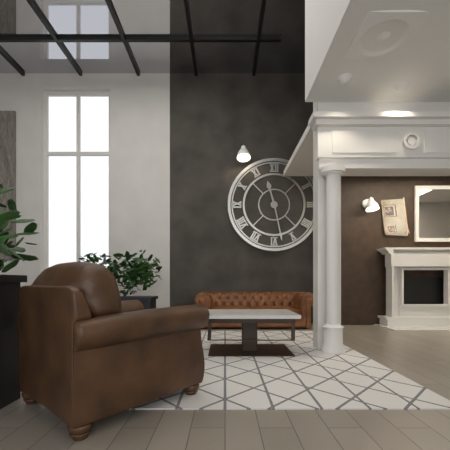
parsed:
11:28
